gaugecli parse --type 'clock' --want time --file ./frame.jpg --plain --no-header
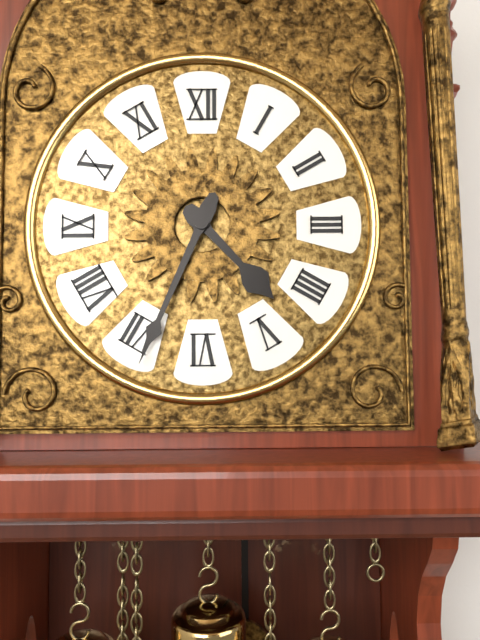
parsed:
4:34
